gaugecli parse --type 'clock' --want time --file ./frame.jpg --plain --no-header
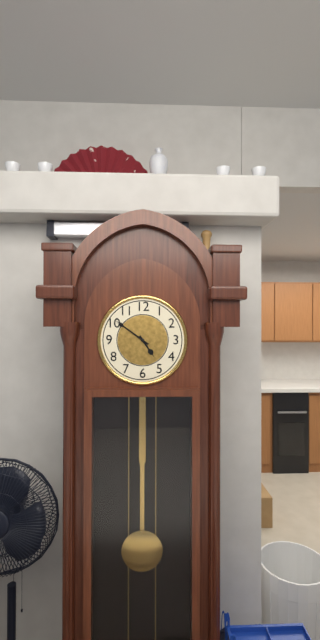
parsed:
4:51
